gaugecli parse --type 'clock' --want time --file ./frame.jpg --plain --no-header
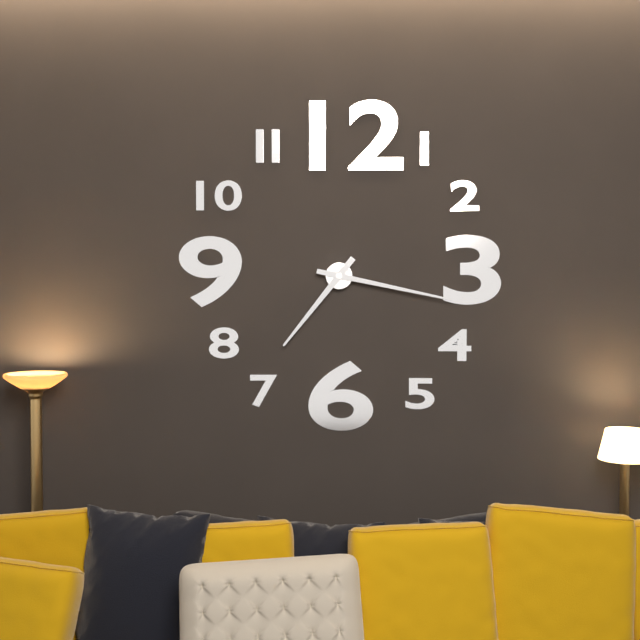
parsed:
7:17
